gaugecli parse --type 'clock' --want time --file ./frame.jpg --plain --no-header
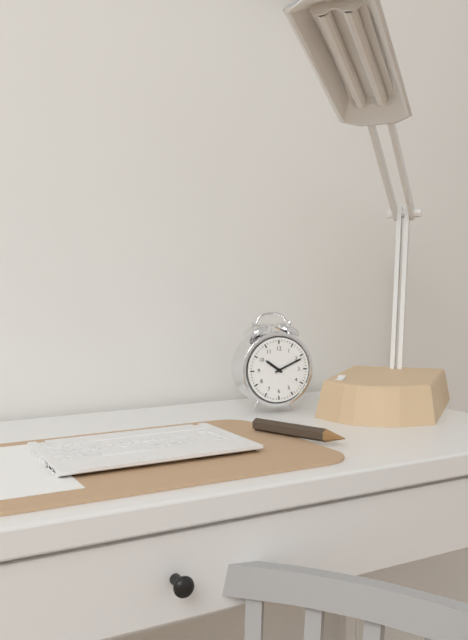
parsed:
10:11
